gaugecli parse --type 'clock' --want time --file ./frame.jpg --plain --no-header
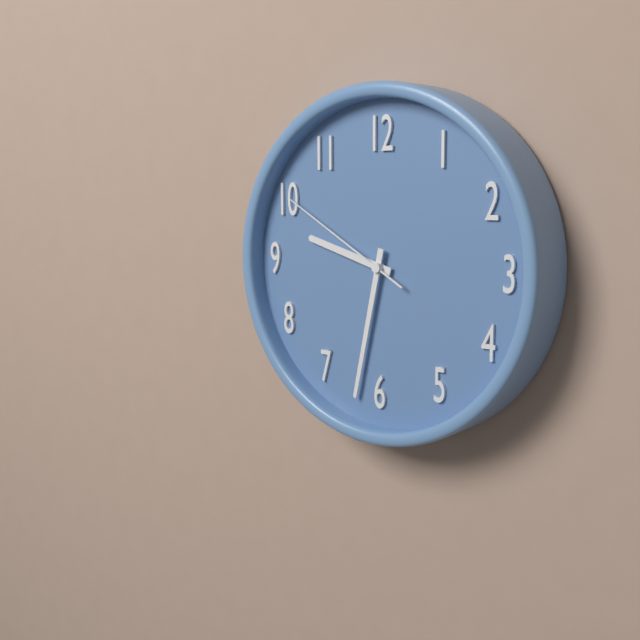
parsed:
9:32:50
